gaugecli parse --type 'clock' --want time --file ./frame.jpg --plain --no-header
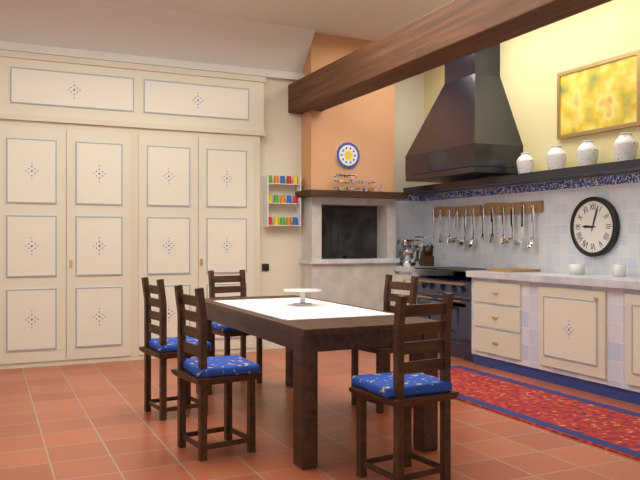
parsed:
9:03
